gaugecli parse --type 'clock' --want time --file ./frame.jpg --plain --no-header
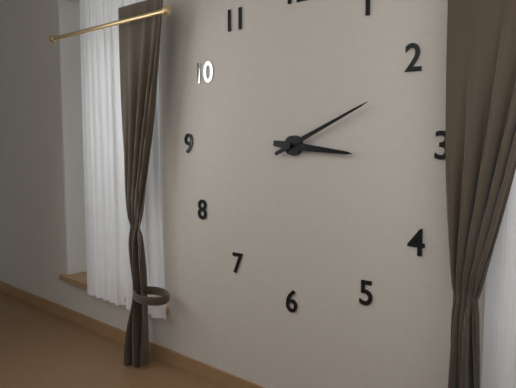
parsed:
3:11
